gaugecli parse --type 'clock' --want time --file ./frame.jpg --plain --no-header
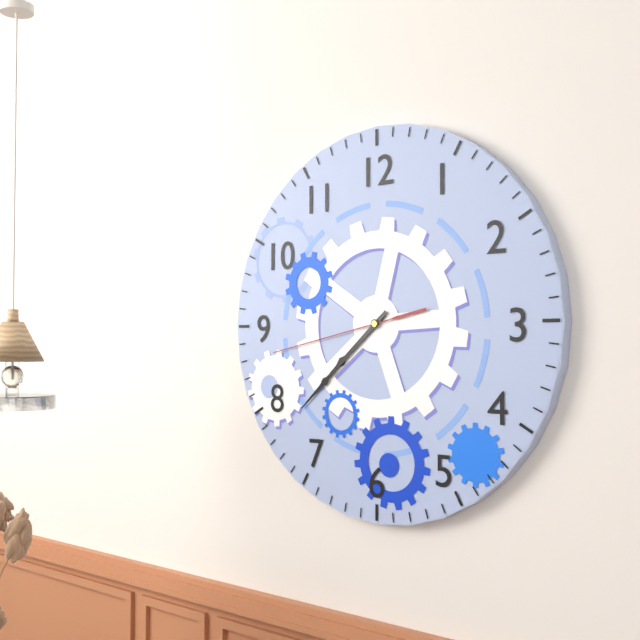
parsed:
7:38:43
